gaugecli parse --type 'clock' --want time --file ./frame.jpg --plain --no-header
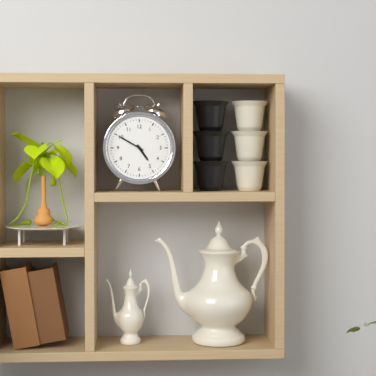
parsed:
4:50
